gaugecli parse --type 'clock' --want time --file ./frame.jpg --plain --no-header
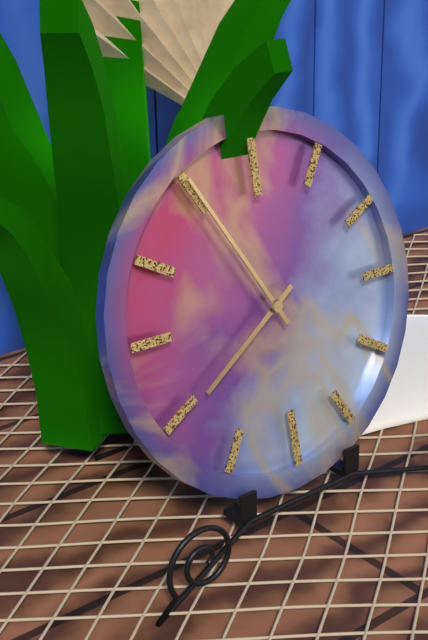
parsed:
7:55
